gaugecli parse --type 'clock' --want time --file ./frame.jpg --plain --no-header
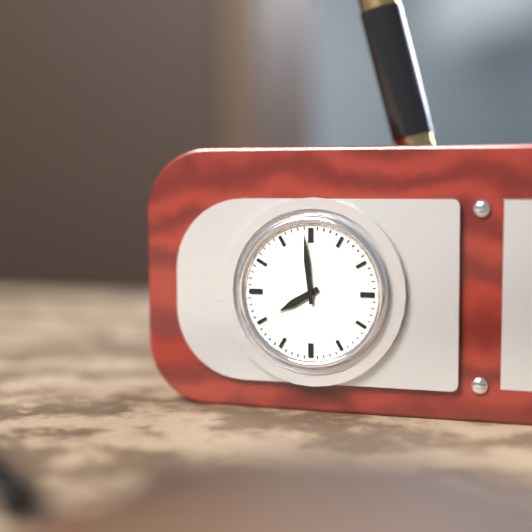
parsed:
7:59
